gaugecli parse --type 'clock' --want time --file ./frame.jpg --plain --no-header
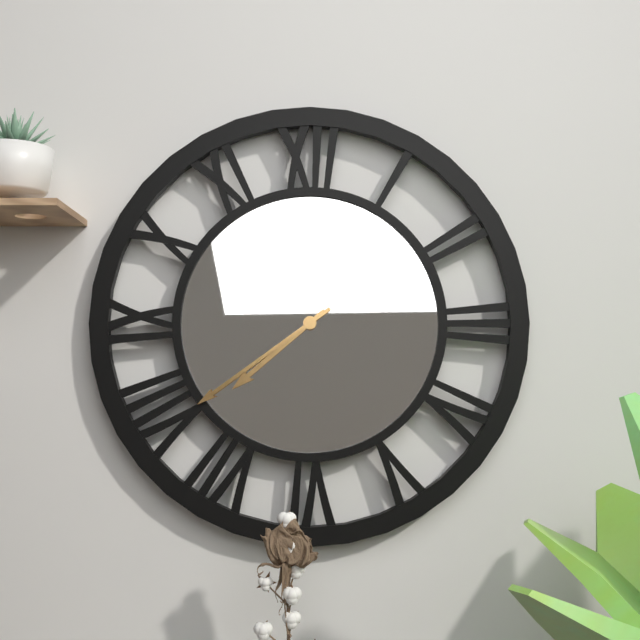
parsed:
7:39
